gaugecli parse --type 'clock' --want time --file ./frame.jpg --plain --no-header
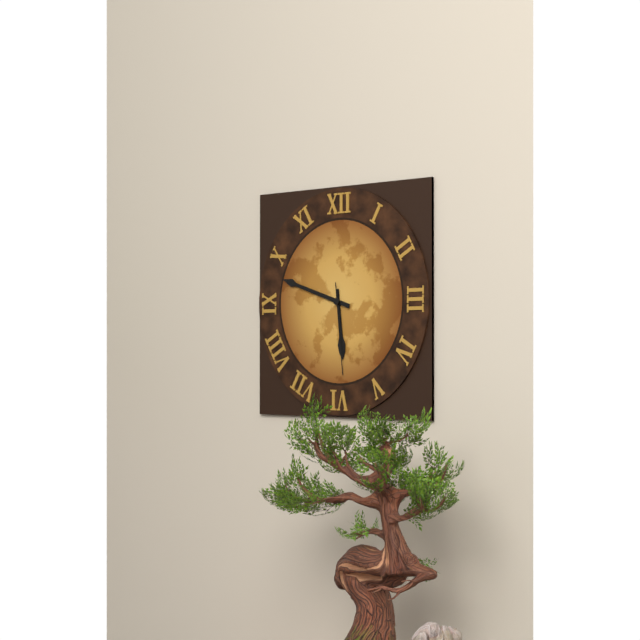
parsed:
5:48:29
